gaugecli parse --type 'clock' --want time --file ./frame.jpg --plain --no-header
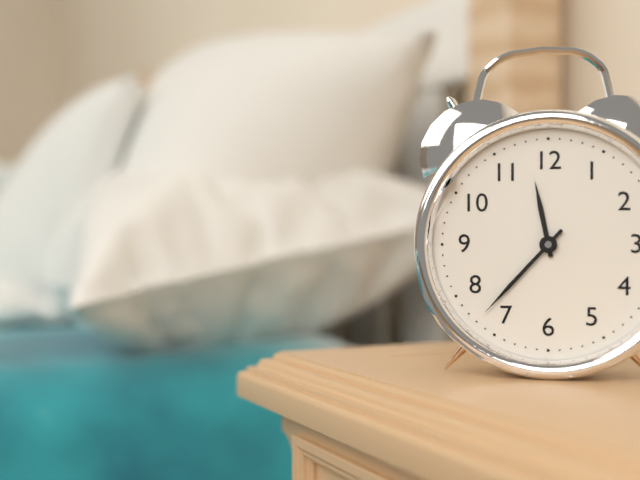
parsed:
11:37
